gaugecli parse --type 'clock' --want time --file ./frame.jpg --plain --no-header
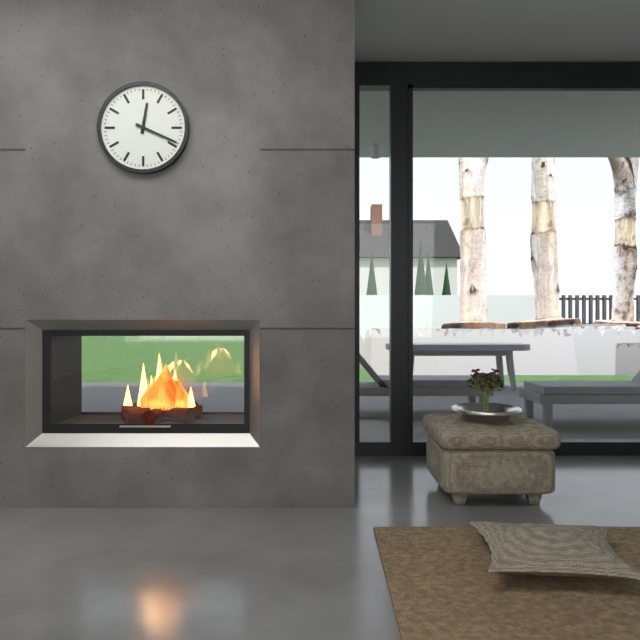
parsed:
12:19
